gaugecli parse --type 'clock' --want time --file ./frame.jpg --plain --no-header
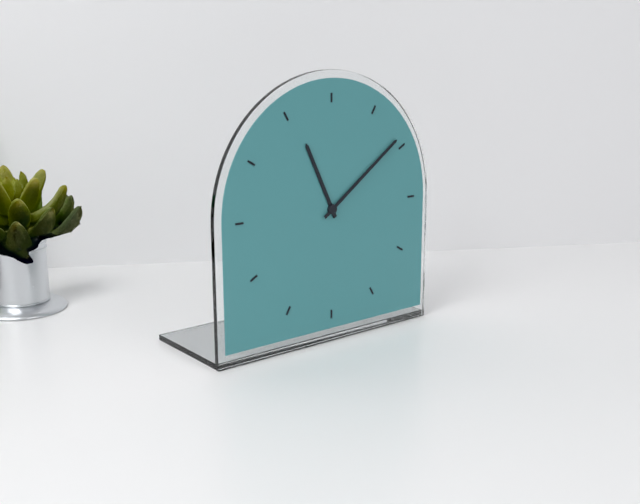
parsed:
11:09
